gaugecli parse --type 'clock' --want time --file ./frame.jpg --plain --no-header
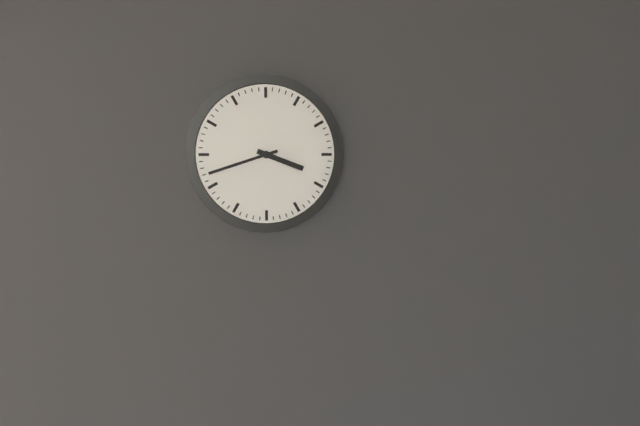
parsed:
3:42
